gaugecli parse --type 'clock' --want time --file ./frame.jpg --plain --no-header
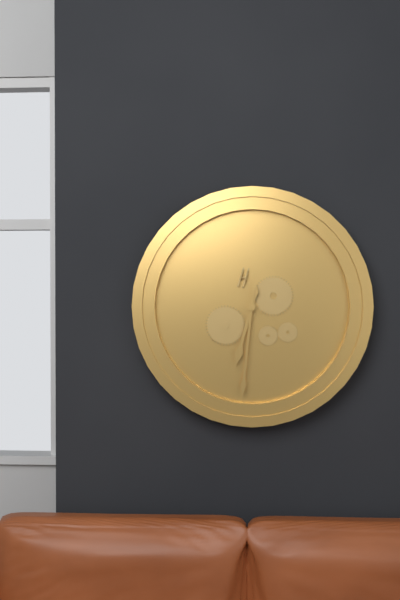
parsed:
6:31
